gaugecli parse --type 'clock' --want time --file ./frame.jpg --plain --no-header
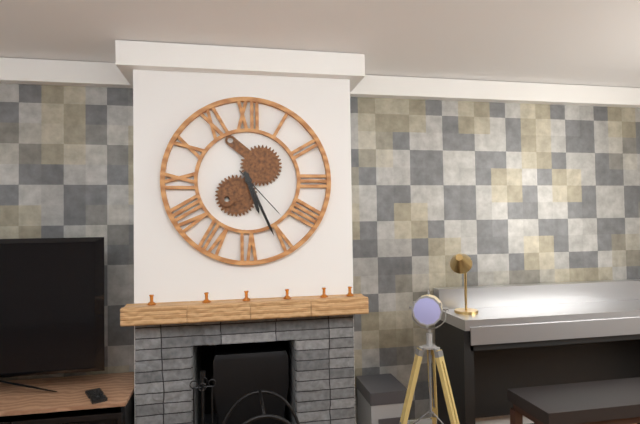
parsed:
5:26:23
